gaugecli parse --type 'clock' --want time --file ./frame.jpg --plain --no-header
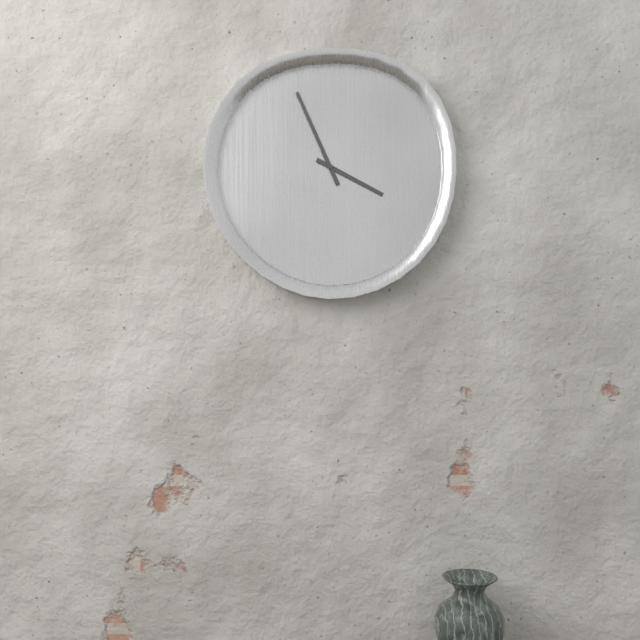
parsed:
3:56
